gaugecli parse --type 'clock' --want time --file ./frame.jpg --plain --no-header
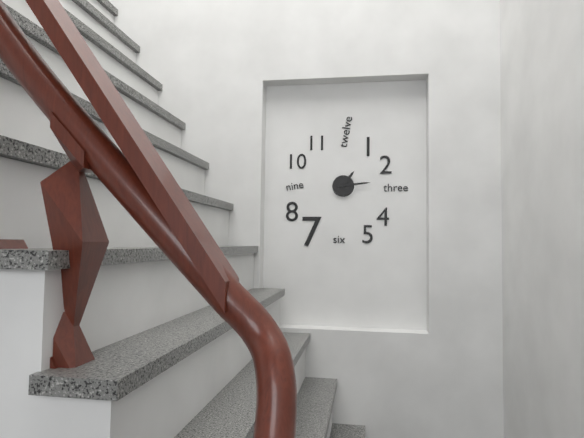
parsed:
1:14
